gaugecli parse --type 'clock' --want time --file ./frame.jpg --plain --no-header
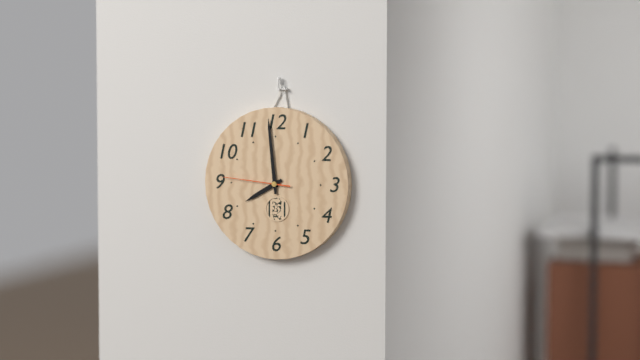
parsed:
7:59:46
